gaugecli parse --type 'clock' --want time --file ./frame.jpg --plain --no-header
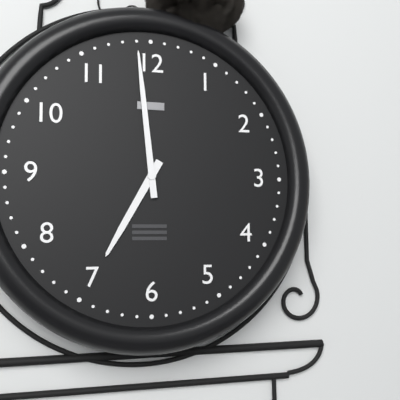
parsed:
6:59
